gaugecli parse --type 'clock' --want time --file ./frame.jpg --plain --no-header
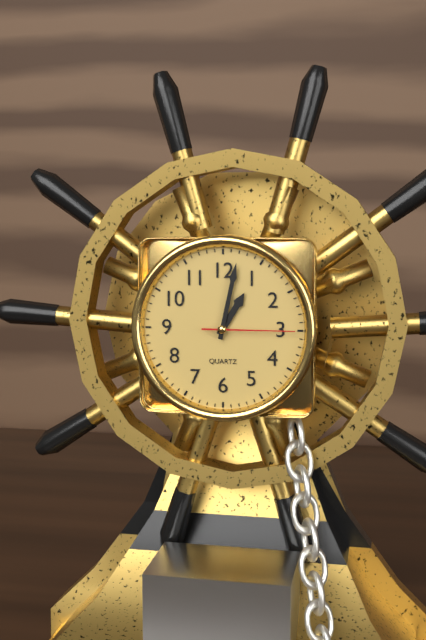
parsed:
1:02:15
